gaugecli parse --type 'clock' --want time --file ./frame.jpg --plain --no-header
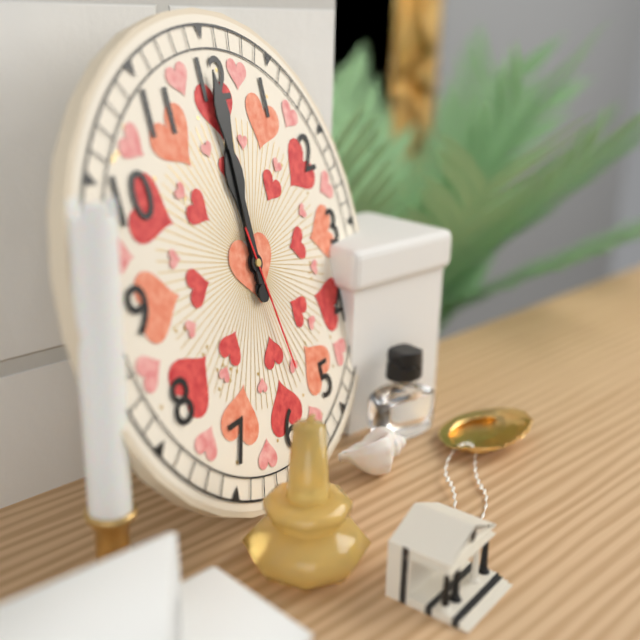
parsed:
12:00:28
